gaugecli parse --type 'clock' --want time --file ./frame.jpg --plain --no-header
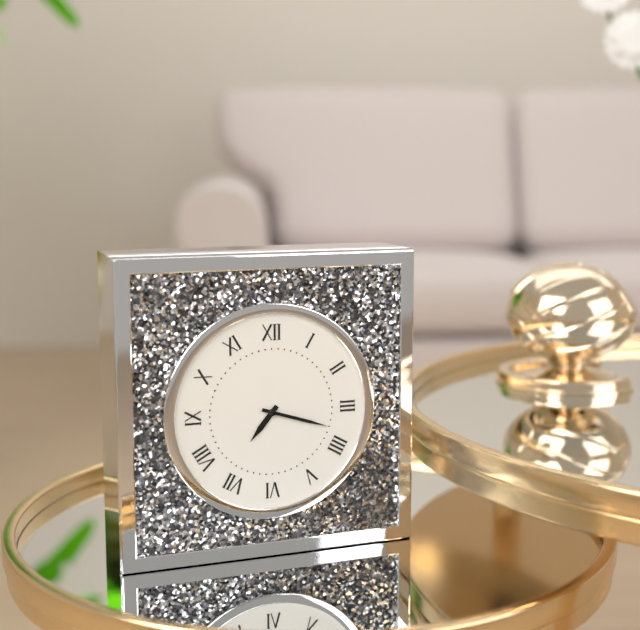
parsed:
7:18
